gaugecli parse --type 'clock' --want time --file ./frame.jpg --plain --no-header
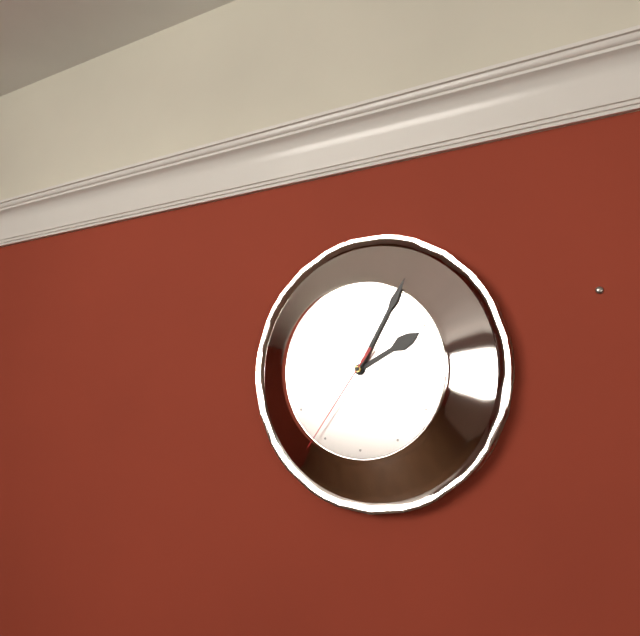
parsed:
2:05:36
